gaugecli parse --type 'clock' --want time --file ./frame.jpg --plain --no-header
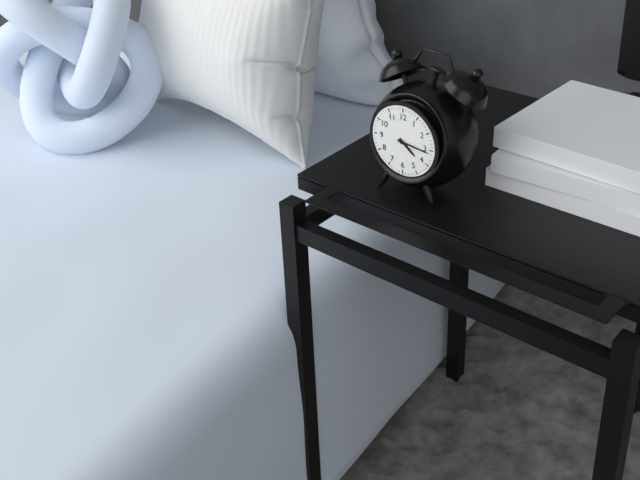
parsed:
4:16
